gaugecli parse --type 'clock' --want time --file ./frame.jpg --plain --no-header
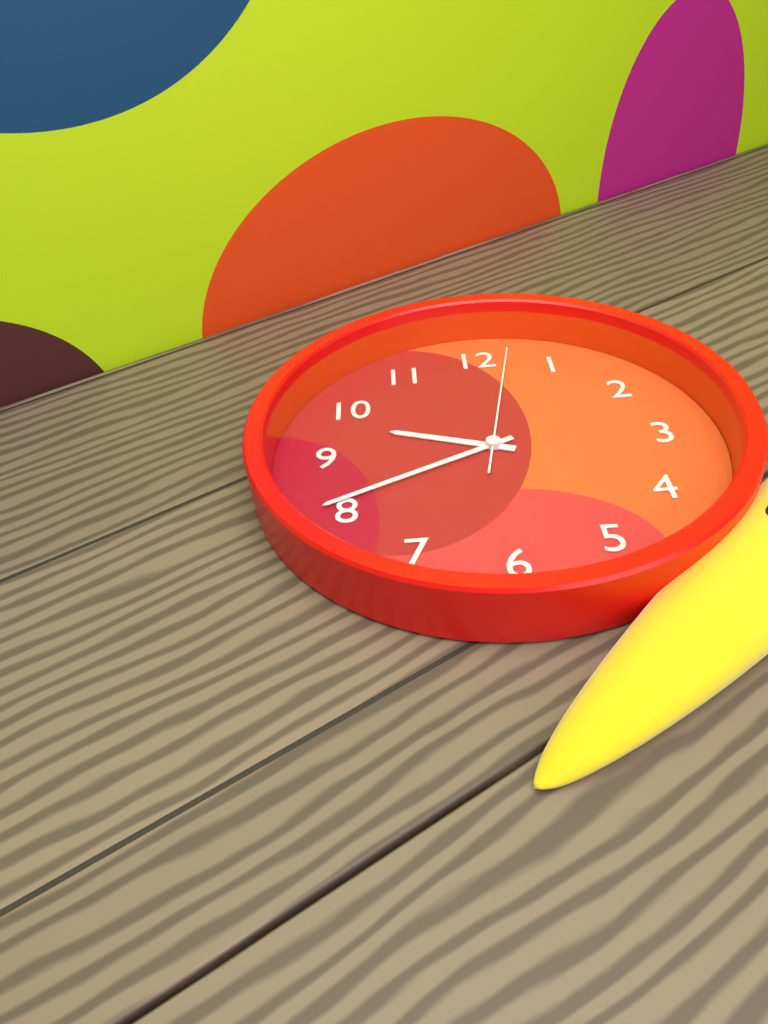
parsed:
9:41:02
